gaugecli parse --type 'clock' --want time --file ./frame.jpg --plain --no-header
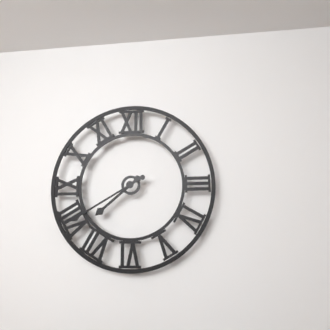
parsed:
7:40
